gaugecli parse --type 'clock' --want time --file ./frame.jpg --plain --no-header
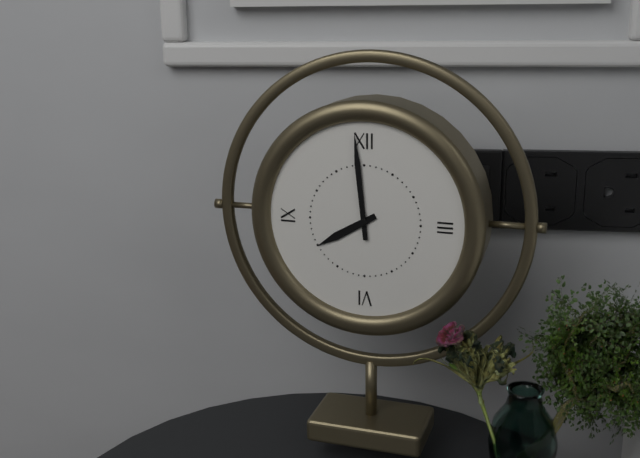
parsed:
7:59
